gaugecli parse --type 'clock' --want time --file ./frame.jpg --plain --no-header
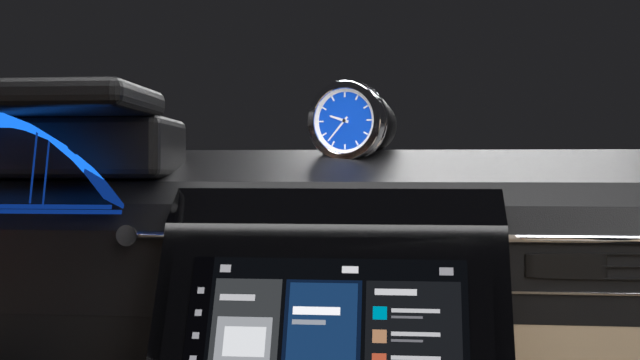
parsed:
9:37
